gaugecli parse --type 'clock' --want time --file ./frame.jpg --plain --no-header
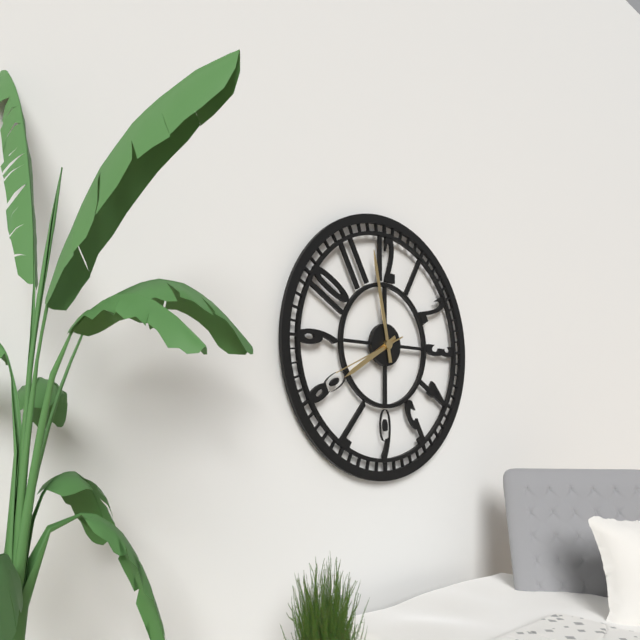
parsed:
7:58:41
